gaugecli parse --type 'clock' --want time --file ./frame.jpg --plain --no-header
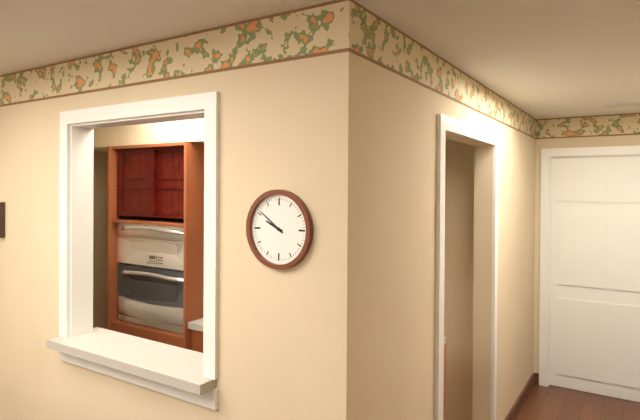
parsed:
9:51
